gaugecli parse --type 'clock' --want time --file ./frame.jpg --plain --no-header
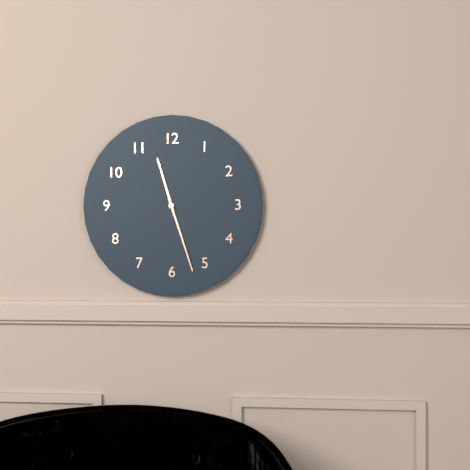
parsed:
11:27
